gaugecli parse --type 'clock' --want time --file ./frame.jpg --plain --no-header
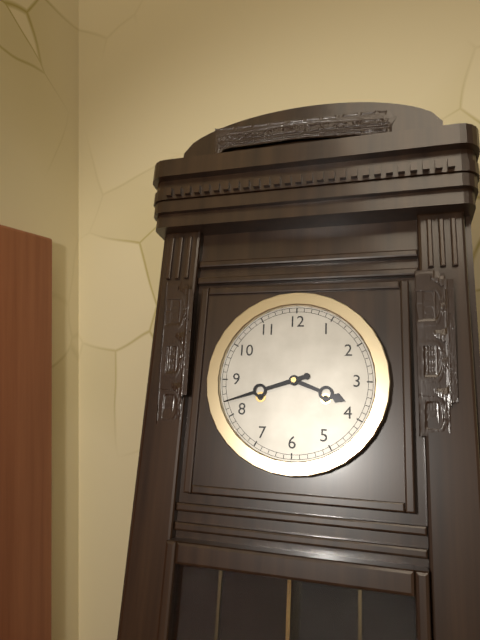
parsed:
3:42
